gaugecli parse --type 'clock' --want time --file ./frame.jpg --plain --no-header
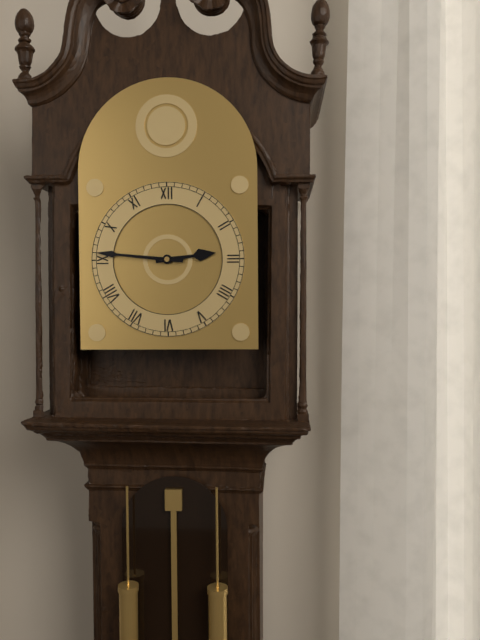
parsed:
2:46
